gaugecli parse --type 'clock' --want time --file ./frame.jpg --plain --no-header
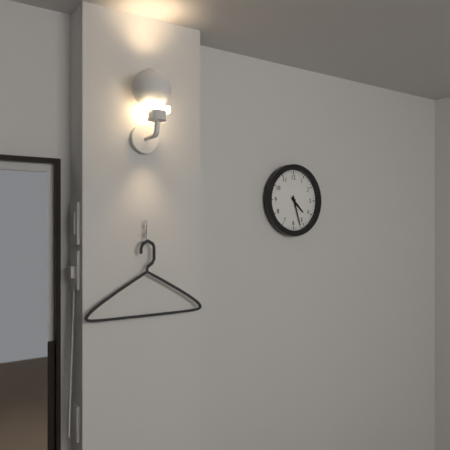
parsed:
4:27
